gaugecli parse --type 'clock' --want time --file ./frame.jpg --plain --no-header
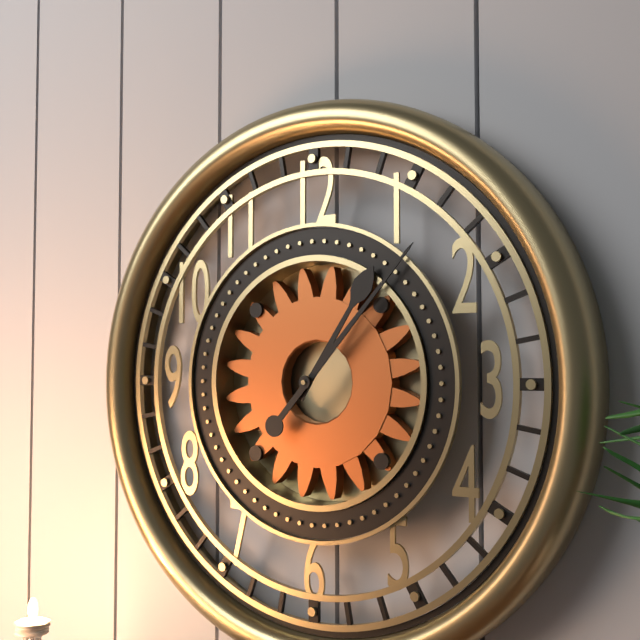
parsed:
1:07
